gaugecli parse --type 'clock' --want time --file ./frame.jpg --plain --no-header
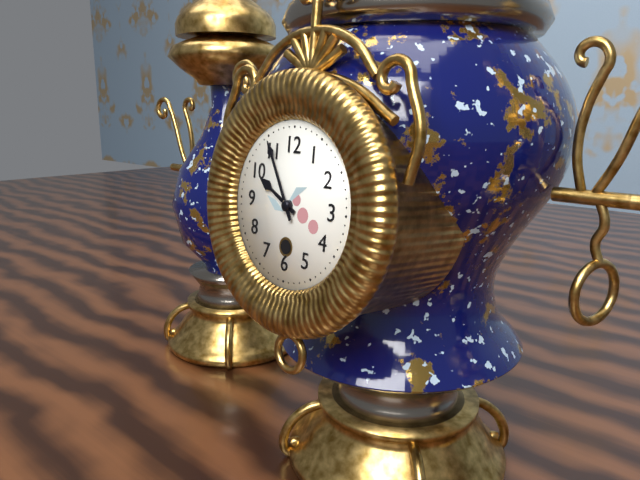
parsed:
9:55
